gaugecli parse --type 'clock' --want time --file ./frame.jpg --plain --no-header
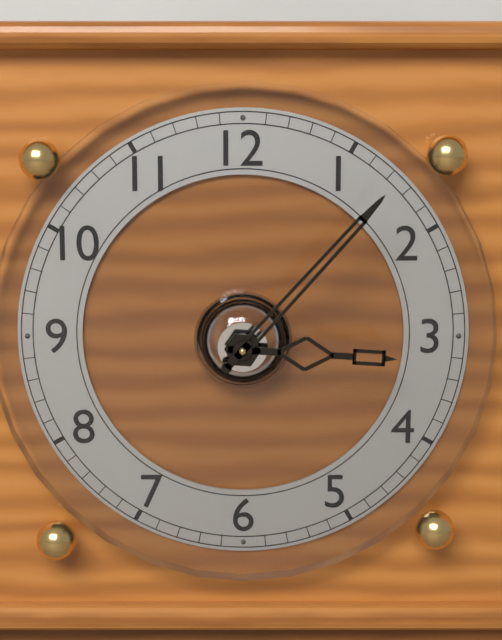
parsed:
3:07
